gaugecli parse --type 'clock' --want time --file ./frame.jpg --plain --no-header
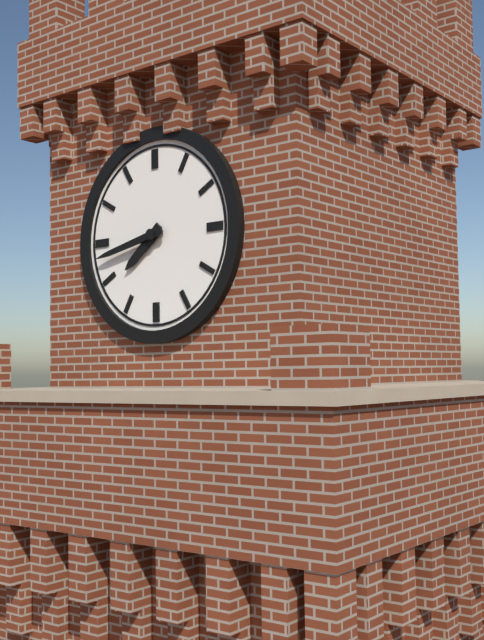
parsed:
7:43
